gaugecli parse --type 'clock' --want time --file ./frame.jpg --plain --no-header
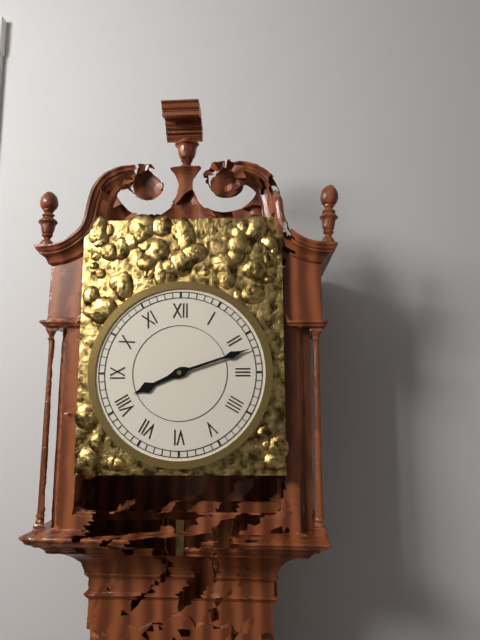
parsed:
8:12
